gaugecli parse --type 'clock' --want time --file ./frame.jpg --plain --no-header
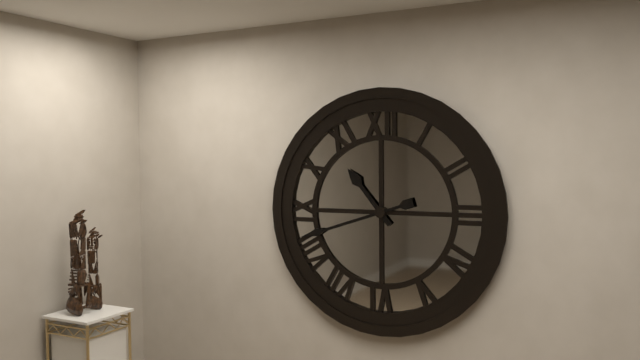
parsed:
10:42
